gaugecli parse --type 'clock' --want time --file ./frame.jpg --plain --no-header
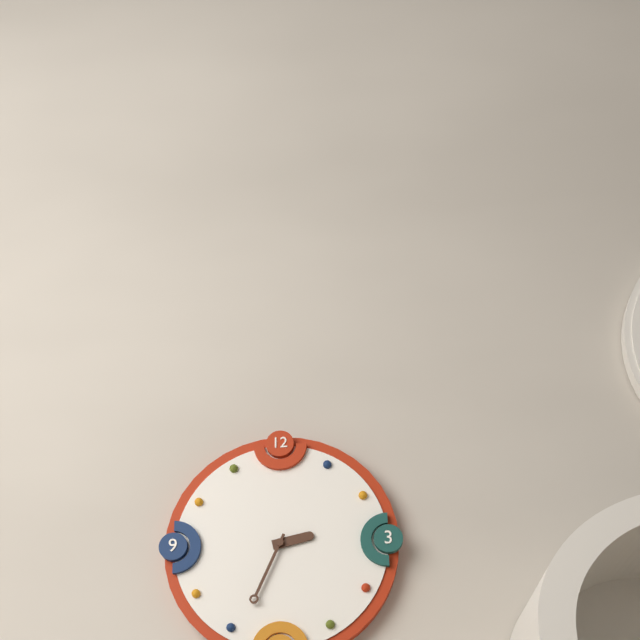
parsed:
2:34
